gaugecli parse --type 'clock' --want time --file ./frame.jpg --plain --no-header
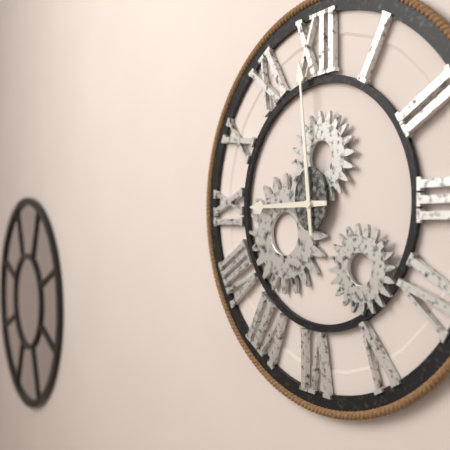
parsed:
8:59
